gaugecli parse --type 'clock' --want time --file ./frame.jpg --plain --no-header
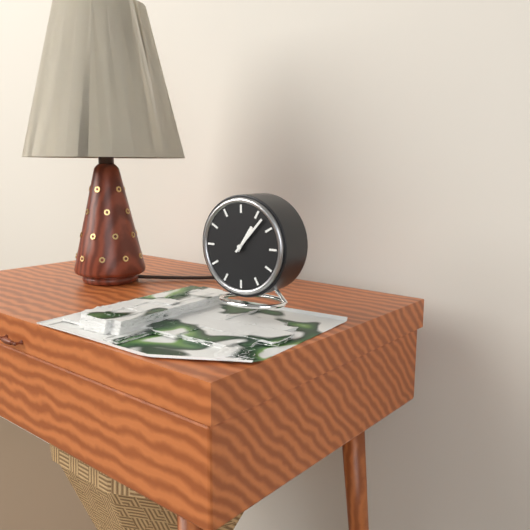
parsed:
1:07
